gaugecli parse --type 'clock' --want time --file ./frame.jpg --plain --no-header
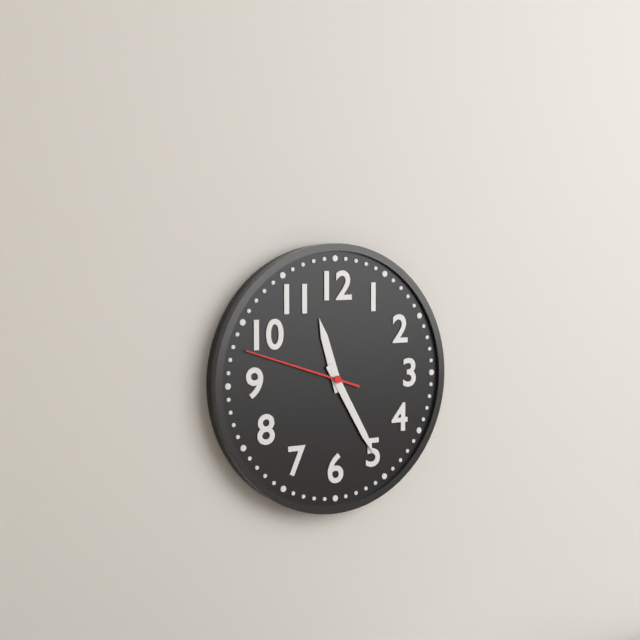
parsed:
11:25:48
